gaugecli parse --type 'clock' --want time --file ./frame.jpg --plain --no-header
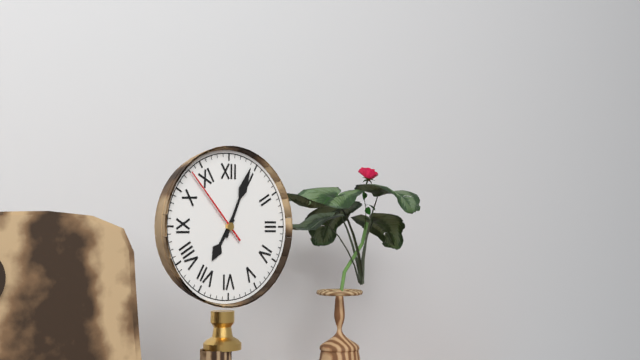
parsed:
7:04:53
